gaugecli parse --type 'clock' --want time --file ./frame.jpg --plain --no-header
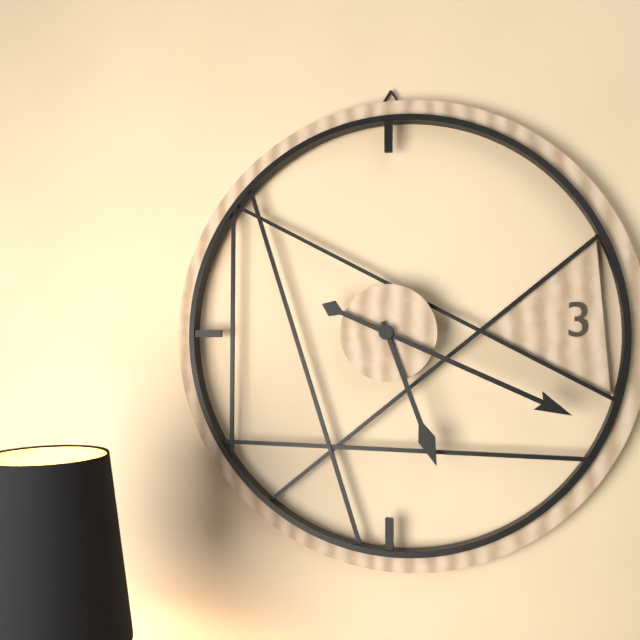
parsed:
5:19
